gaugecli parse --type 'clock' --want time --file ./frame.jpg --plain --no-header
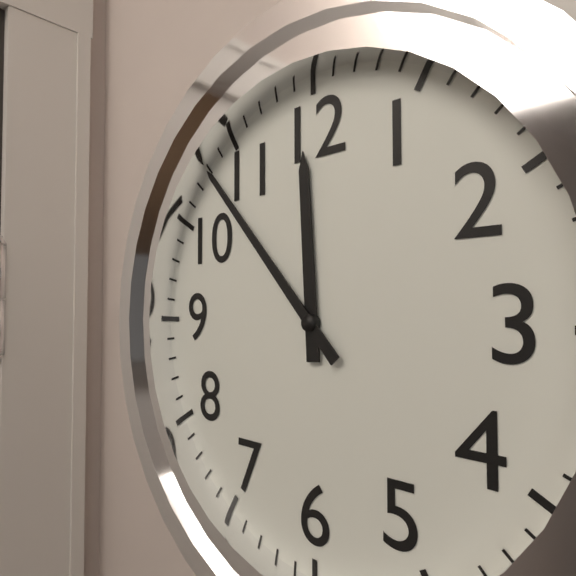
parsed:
11:53
